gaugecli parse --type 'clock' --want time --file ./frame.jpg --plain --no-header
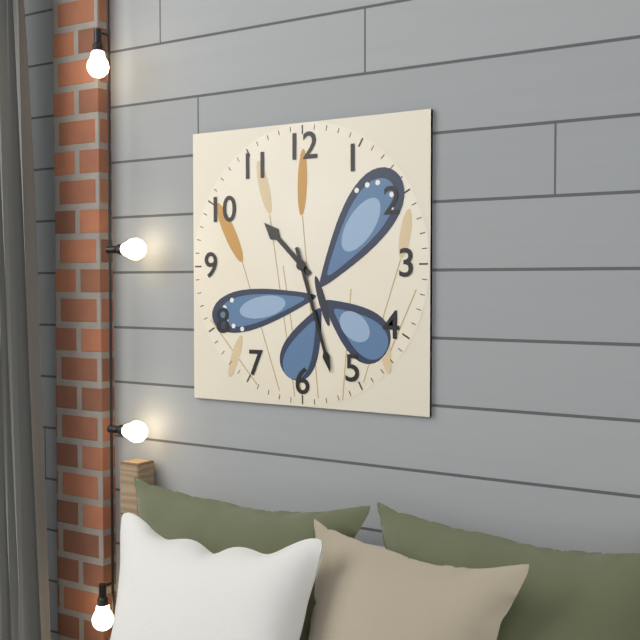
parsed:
10:27
